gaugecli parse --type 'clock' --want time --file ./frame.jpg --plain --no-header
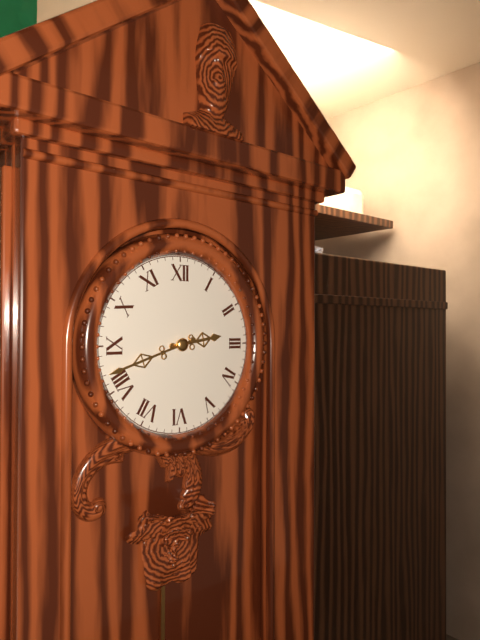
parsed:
2:42
